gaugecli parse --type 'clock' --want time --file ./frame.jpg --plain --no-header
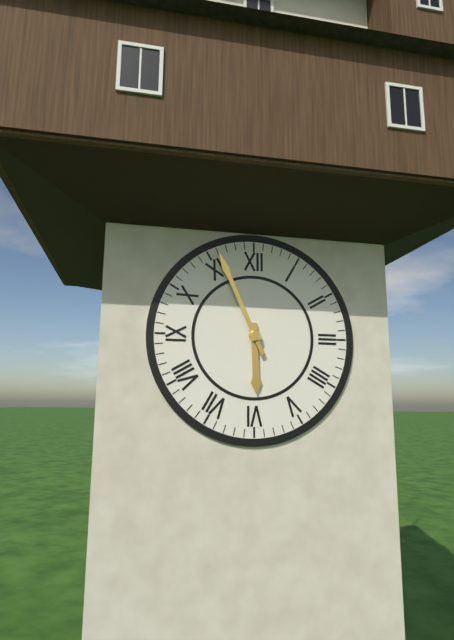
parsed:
5:56
